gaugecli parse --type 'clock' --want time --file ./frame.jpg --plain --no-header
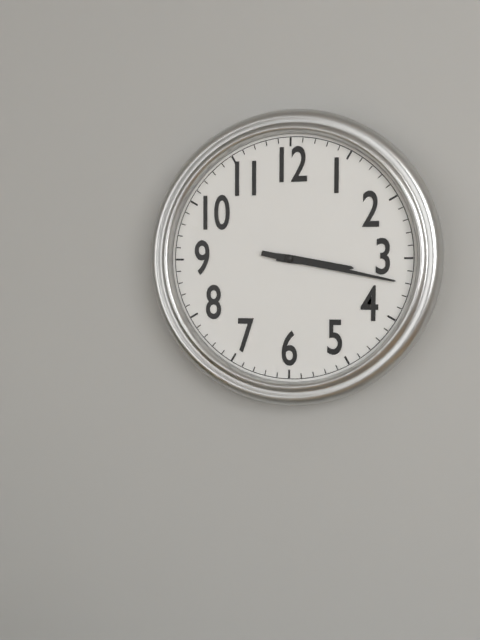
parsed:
3:17
